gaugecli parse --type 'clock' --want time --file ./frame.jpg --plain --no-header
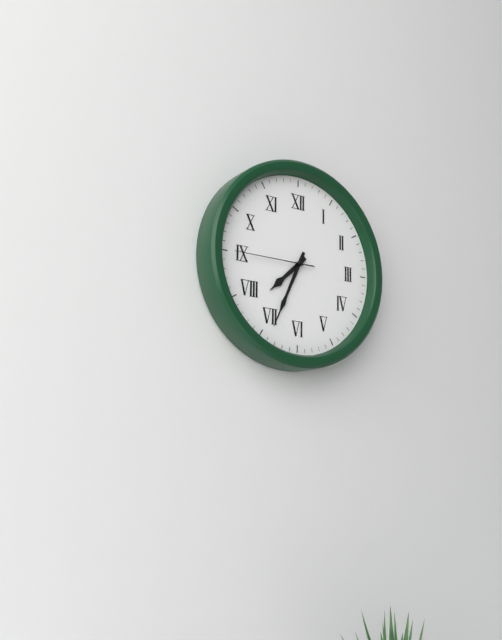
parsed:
7:34:45
